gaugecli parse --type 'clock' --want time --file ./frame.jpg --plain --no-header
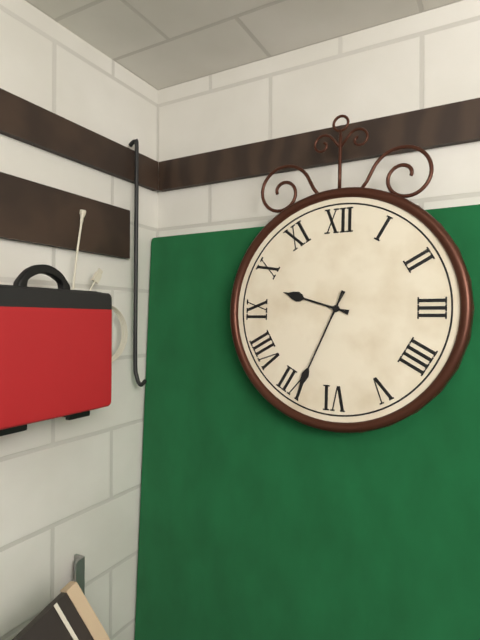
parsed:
9:34
